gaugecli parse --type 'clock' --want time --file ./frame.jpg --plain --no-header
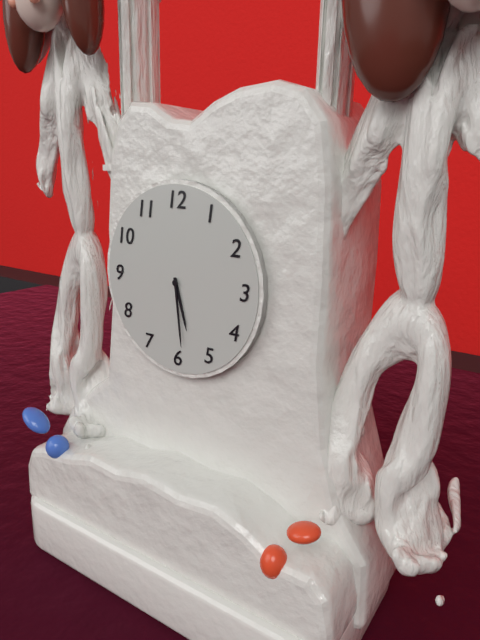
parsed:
5:29
